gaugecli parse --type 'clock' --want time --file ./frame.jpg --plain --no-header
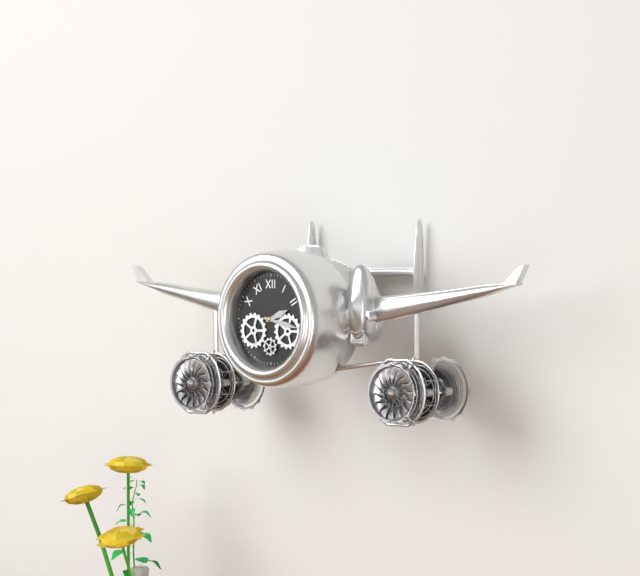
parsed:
2:17
